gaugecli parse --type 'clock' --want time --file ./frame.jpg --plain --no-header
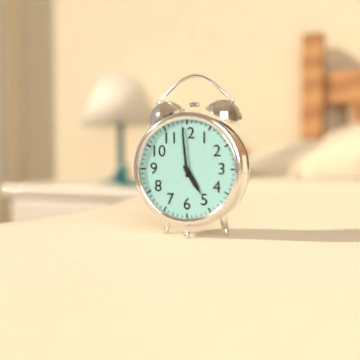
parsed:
4:59
